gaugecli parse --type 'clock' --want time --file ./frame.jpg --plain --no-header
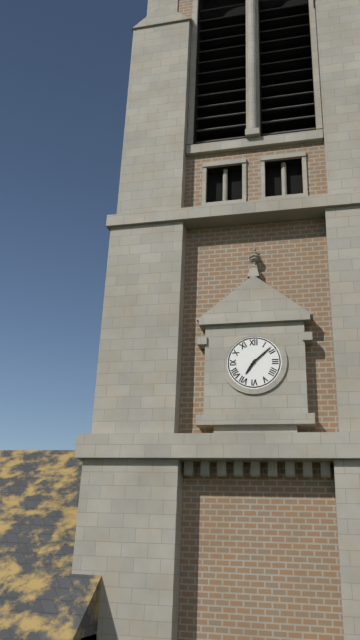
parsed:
7:08
